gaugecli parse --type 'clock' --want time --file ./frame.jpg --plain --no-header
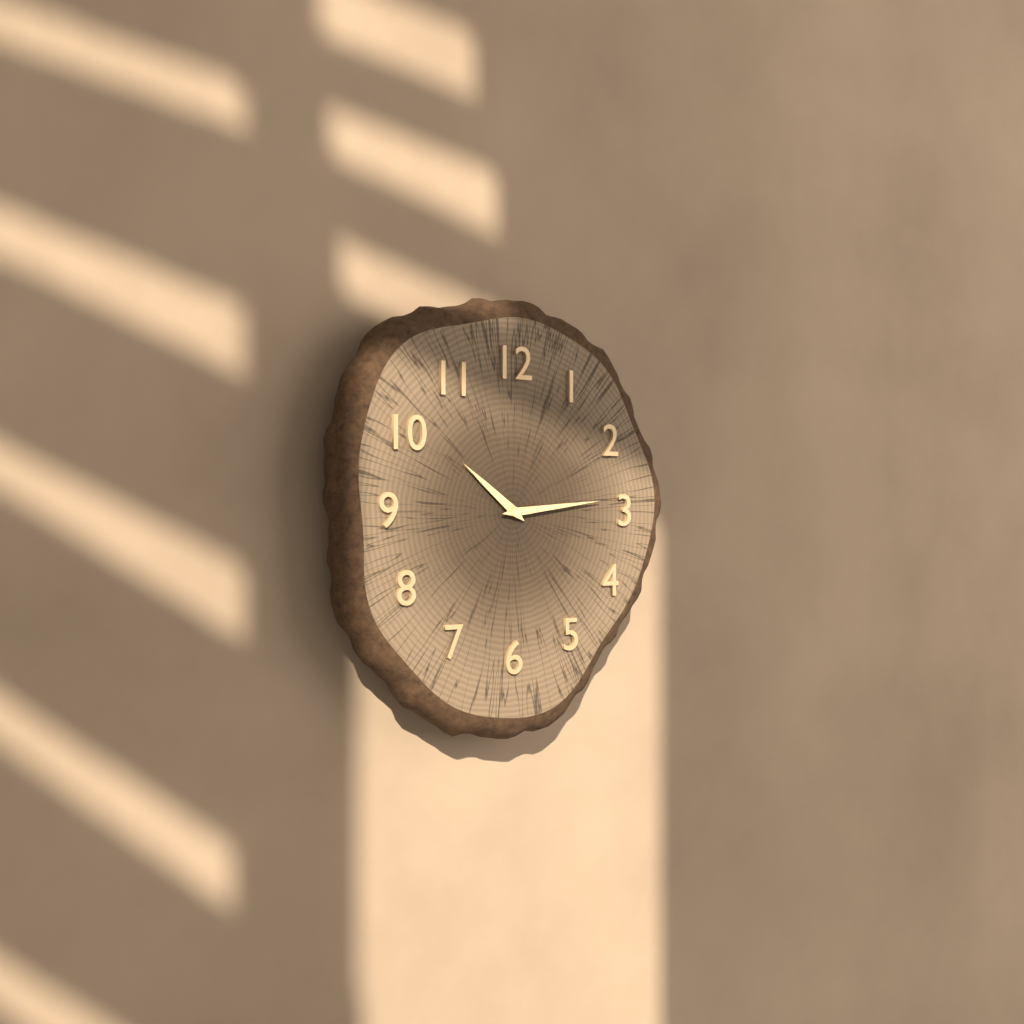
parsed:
10:14
